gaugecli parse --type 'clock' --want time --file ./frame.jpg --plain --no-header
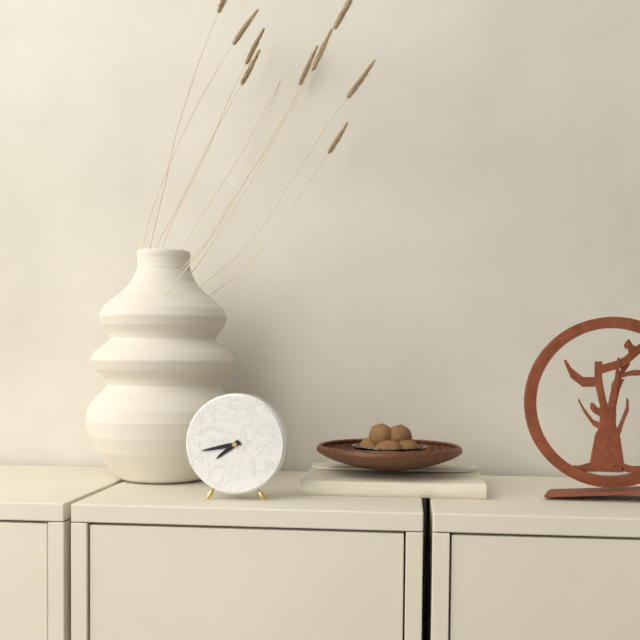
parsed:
7:43
